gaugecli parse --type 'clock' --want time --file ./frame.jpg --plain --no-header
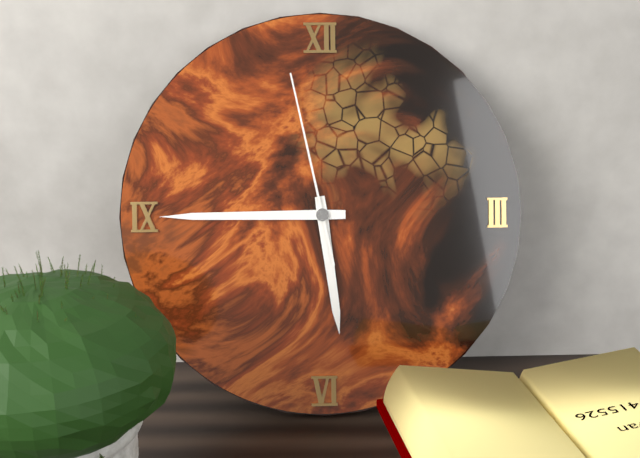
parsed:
5:45:58
